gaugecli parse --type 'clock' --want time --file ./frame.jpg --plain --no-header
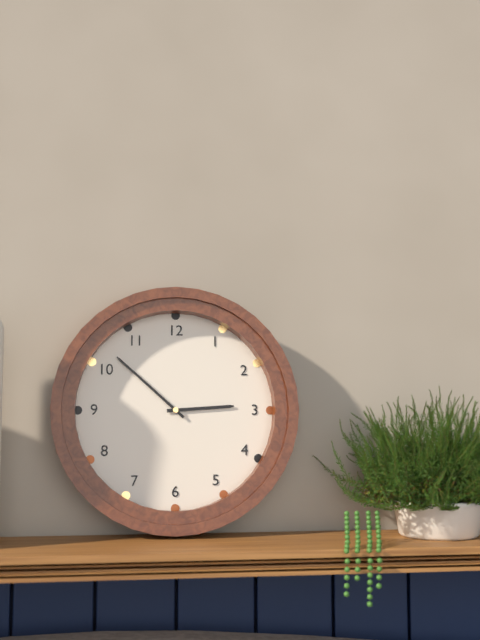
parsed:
2:52
